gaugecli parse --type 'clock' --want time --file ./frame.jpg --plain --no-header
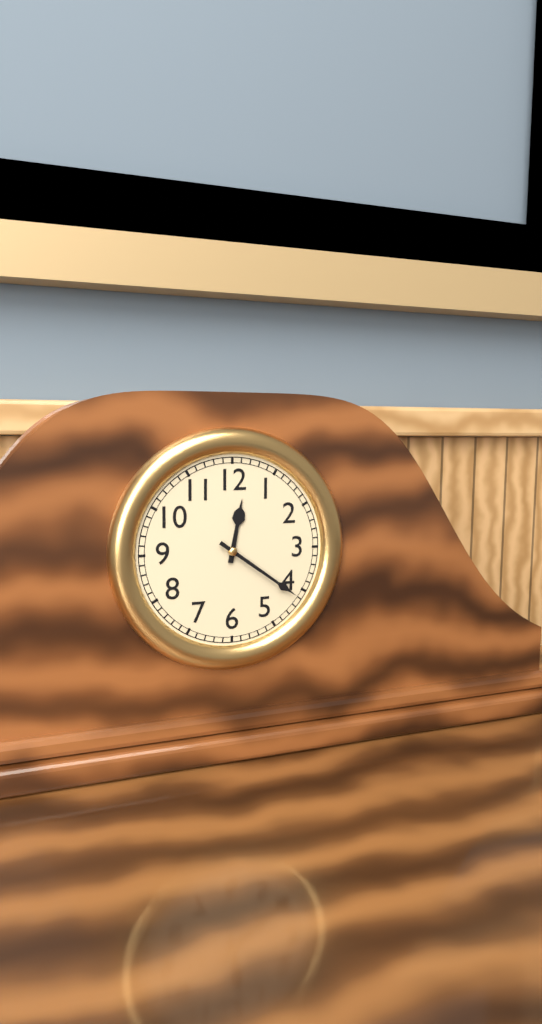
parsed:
12:21
